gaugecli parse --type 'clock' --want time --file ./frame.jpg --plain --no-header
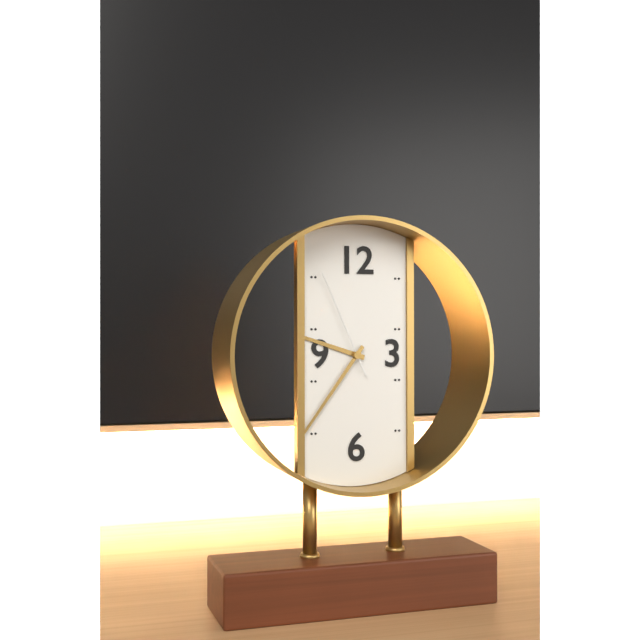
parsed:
9:36:56
